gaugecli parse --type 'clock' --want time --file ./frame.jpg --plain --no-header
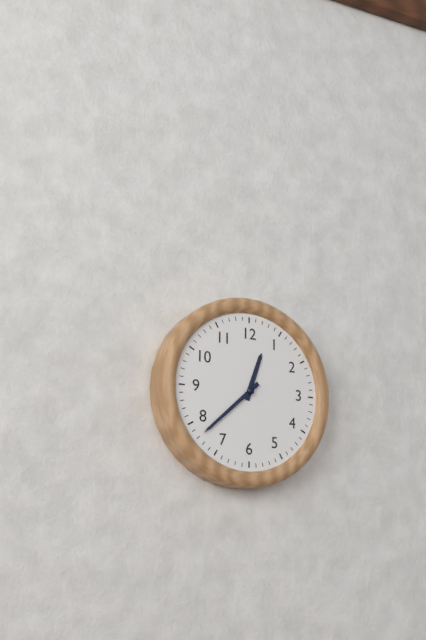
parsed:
12:38
